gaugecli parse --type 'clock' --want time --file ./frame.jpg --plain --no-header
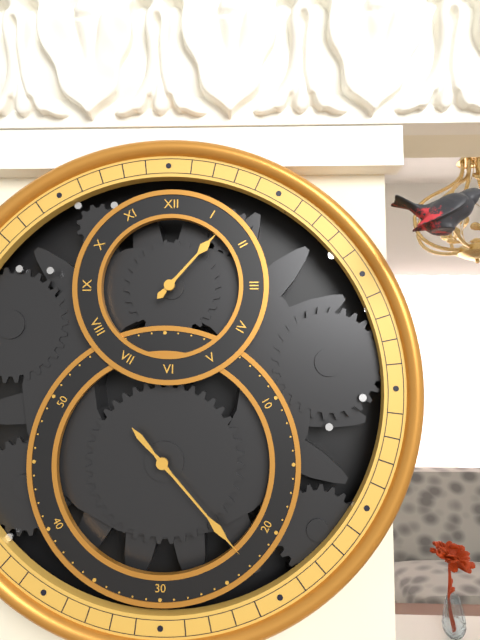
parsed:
1:23
